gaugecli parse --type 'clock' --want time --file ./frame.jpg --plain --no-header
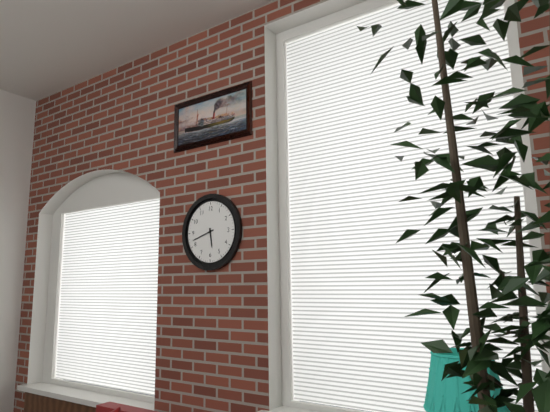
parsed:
5:42
